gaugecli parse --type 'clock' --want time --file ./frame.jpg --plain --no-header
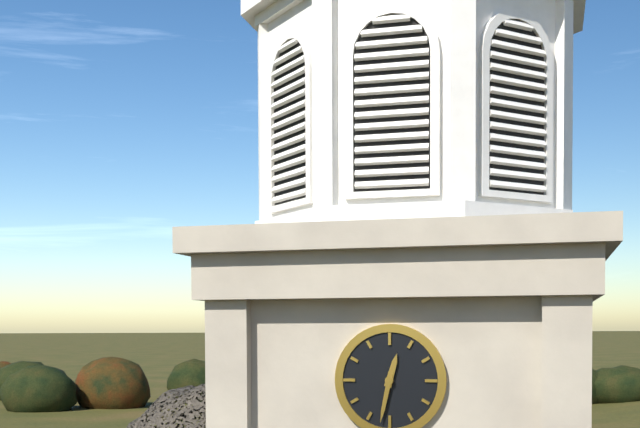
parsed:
12:32
